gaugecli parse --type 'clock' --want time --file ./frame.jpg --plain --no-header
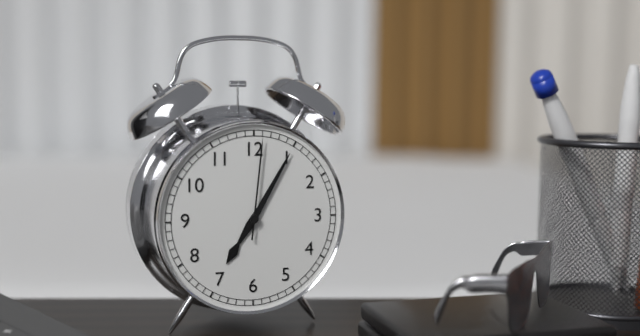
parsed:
7:05:01
